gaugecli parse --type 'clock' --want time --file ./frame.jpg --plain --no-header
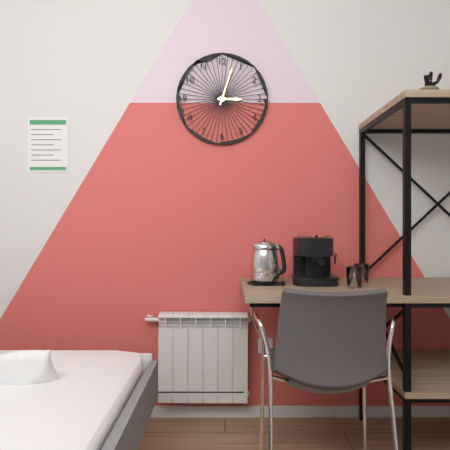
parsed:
3:03
